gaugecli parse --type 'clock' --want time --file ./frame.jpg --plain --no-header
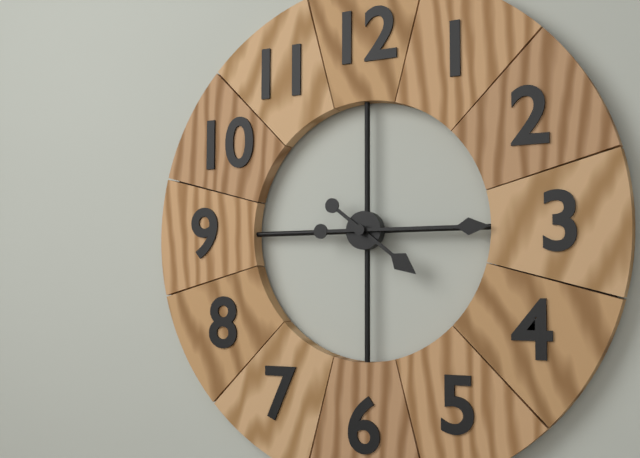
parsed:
4:15
